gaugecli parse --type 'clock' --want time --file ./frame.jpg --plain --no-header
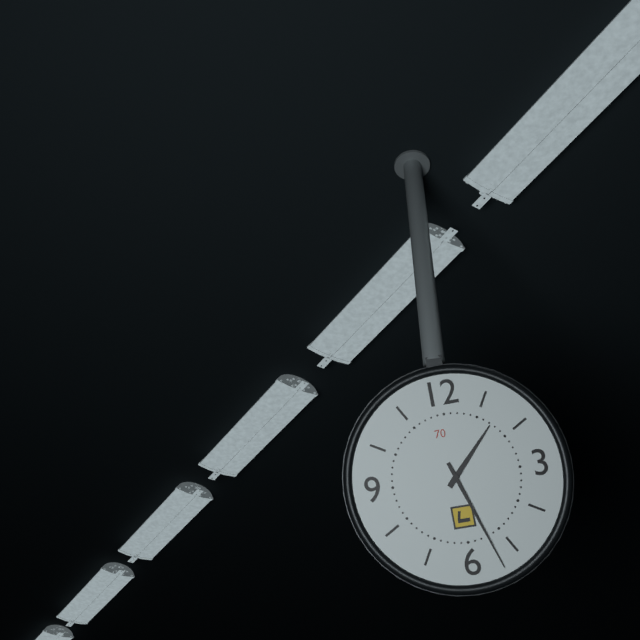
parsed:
1:27
